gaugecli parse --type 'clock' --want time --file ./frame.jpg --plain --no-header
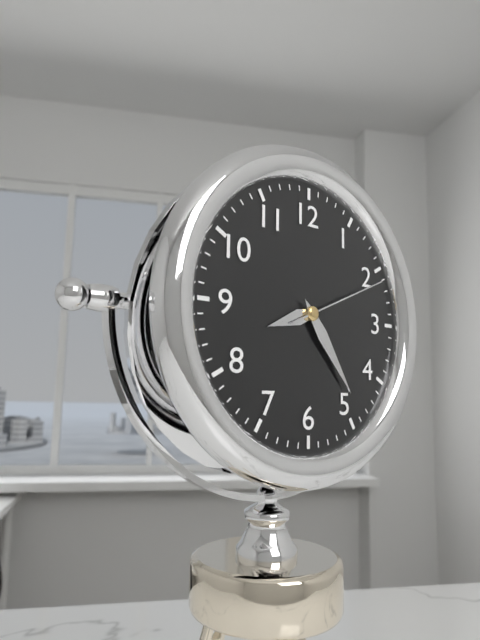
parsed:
8:24:11
